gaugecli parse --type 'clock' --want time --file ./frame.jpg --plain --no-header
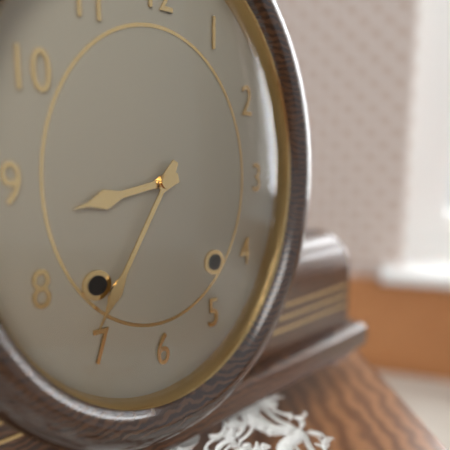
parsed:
8:35
